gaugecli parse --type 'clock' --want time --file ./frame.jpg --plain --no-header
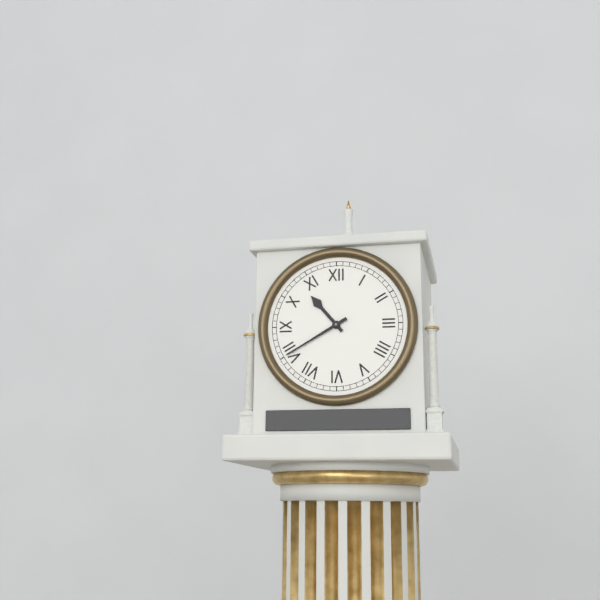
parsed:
10:40
